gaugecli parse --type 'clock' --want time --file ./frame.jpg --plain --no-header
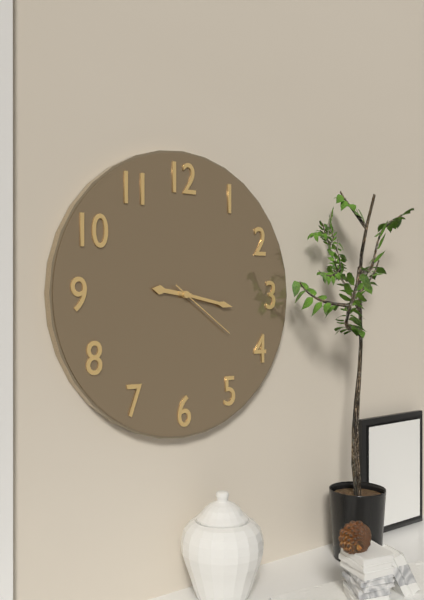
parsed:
9:17:21
